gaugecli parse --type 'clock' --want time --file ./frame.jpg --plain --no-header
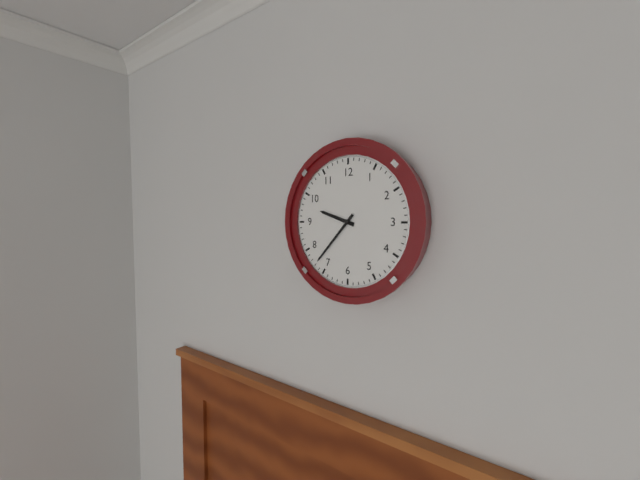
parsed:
9:37
